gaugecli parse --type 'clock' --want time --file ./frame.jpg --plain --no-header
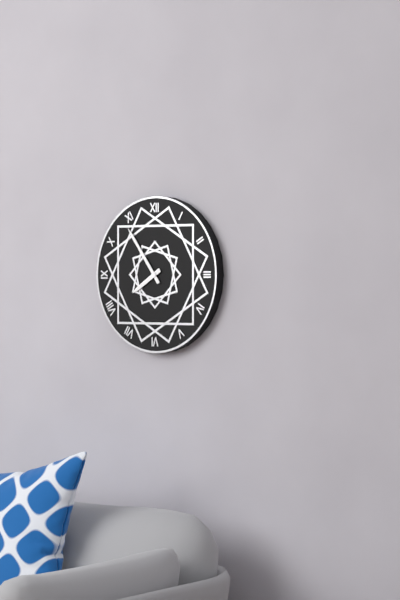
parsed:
7:54
